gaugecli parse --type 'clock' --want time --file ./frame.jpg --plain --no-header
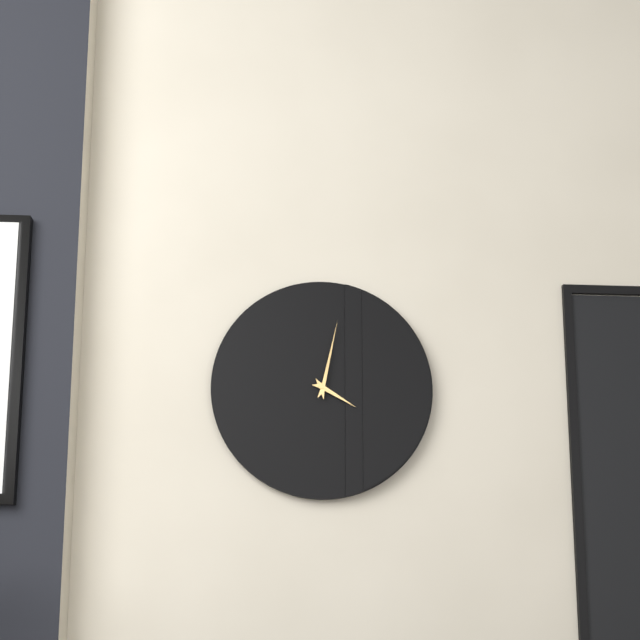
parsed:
4:02
